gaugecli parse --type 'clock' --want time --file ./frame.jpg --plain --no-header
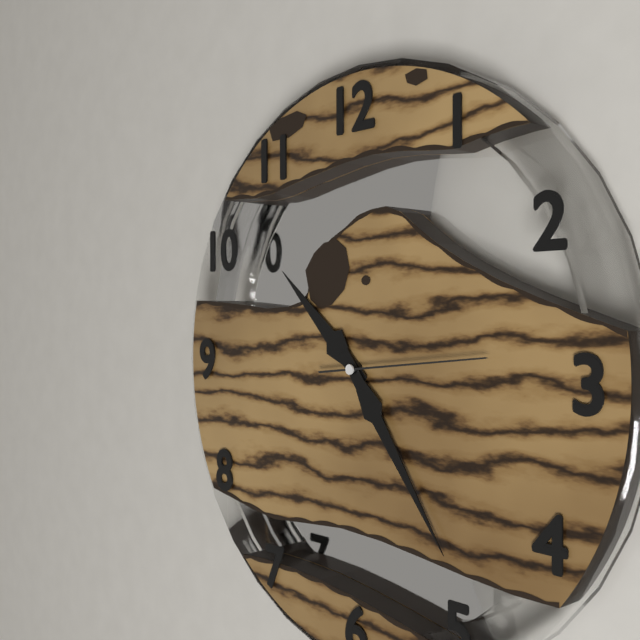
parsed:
10:24:14
